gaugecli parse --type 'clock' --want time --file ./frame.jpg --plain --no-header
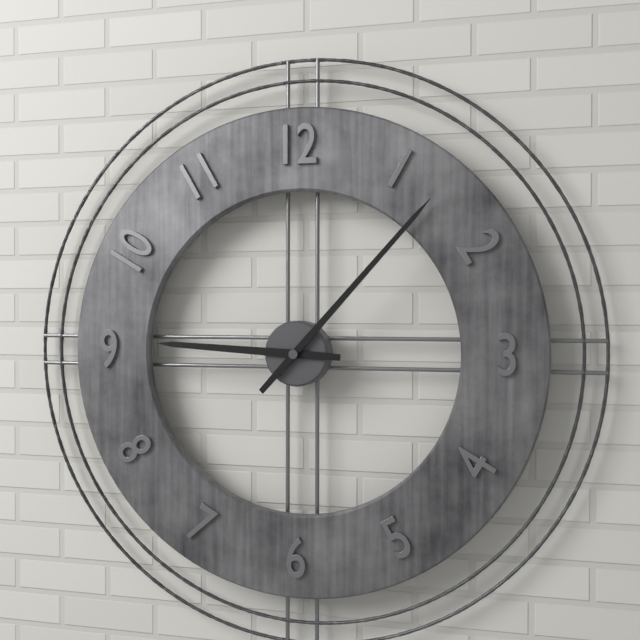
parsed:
9:07
